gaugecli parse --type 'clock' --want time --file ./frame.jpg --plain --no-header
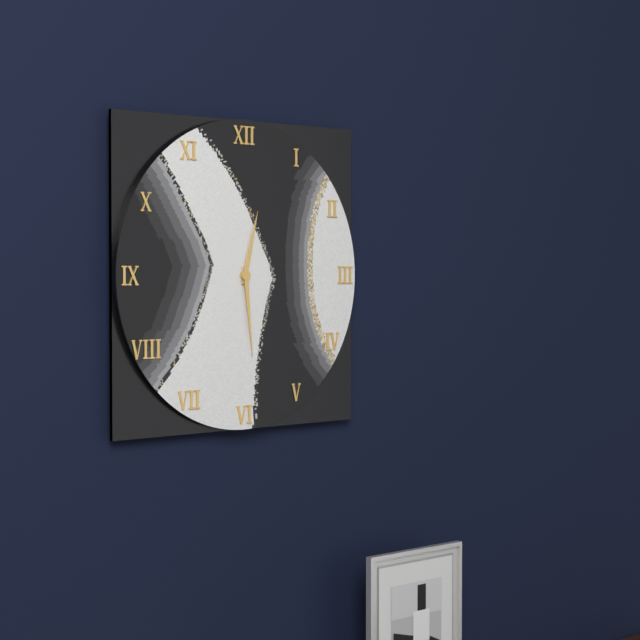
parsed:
12:29
